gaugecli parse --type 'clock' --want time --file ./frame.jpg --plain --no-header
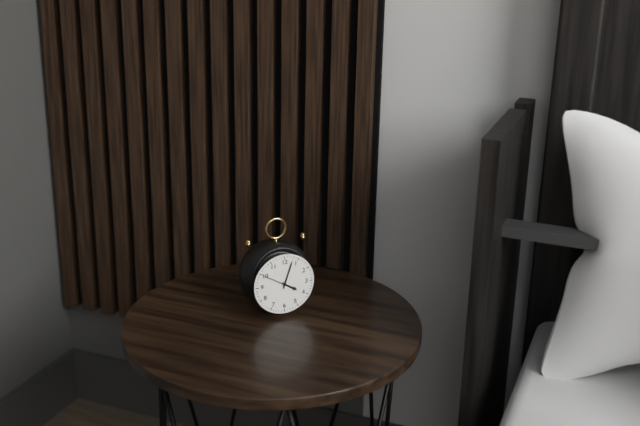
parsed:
4:03
